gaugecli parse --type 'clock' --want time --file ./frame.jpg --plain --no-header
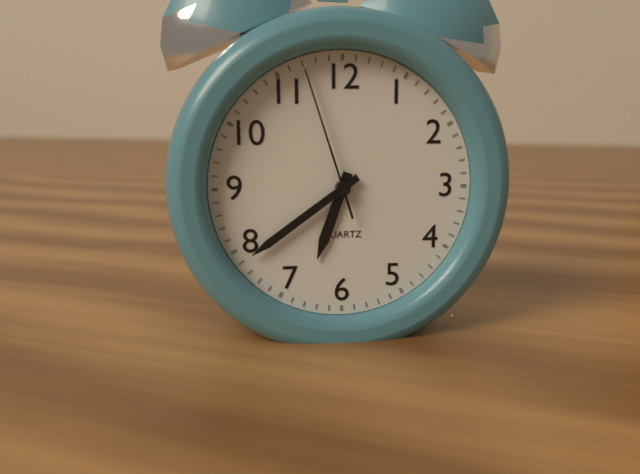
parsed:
6:39:57
